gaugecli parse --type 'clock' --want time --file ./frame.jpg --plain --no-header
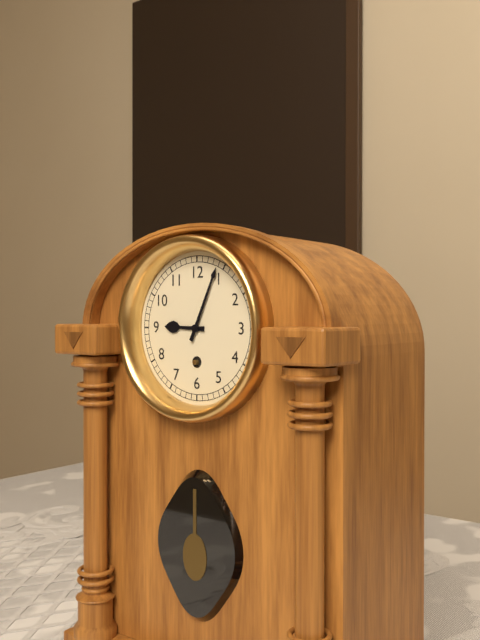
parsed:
9:04
